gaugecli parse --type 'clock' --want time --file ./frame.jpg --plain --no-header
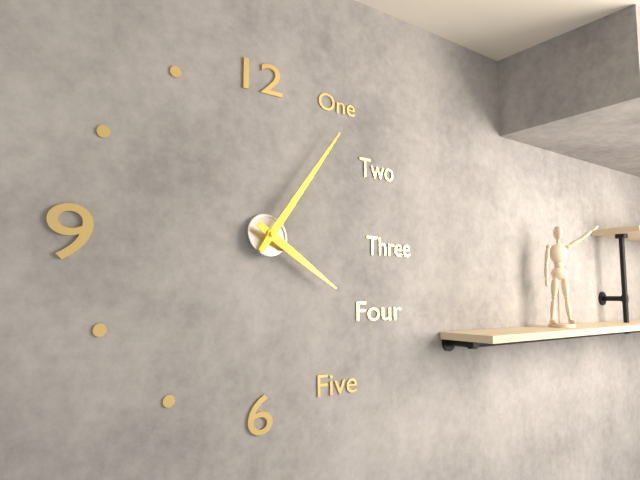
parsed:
4:06
